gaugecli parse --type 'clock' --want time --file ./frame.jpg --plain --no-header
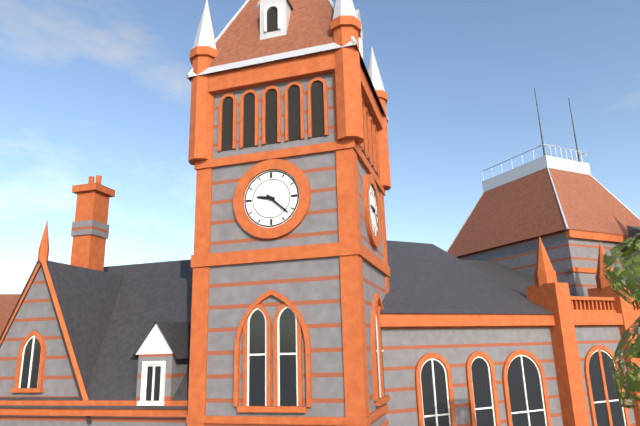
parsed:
9:22
